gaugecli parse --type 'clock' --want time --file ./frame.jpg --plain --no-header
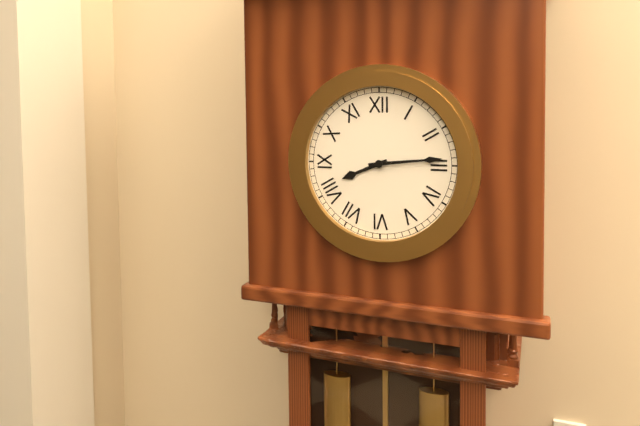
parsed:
8:14
